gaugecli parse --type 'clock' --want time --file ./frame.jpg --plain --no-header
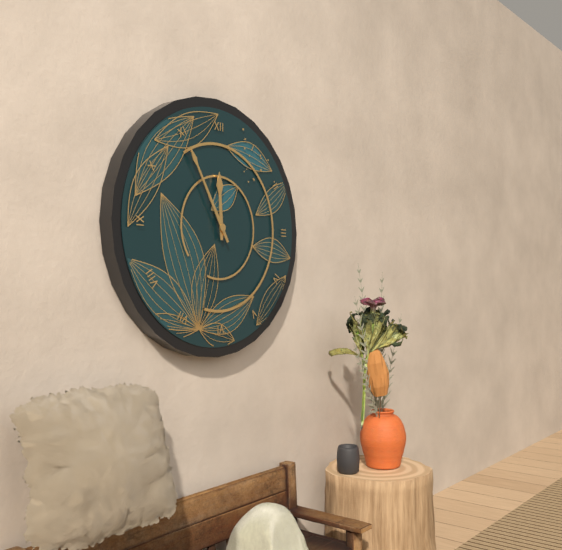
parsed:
11:55
